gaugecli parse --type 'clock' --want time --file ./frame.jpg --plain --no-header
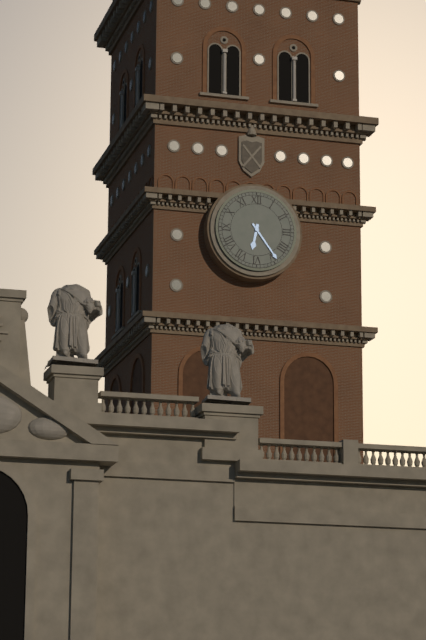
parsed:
6:24
